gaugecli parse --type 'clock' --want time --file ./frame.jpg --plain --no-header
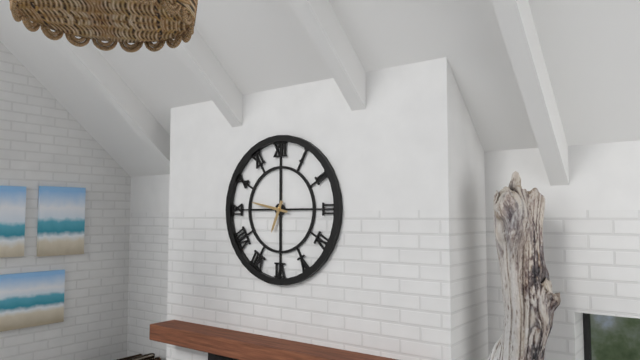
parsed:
6:47
